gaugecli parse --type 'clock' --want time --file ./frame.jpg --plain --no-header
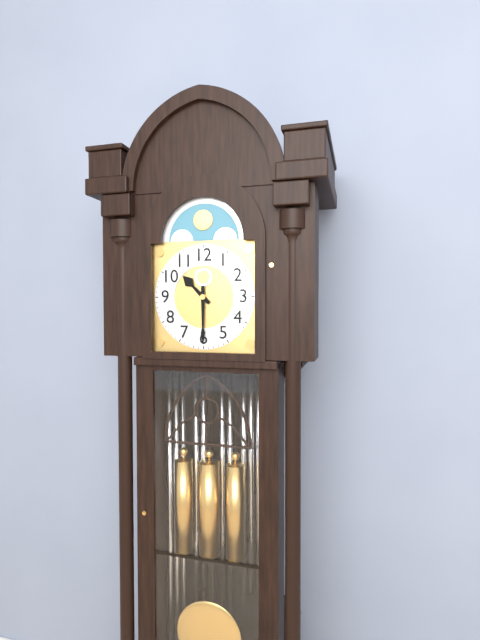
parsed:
10:30
